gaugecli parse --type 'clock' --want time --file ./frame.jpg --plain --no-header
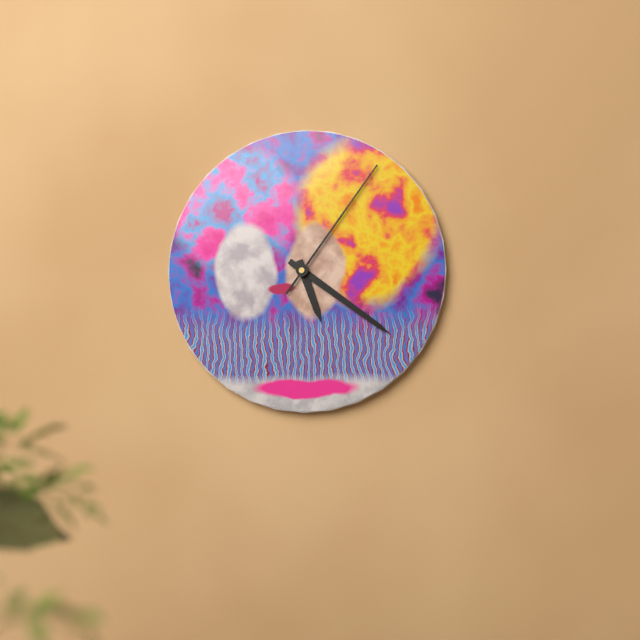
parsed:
5:21:06
